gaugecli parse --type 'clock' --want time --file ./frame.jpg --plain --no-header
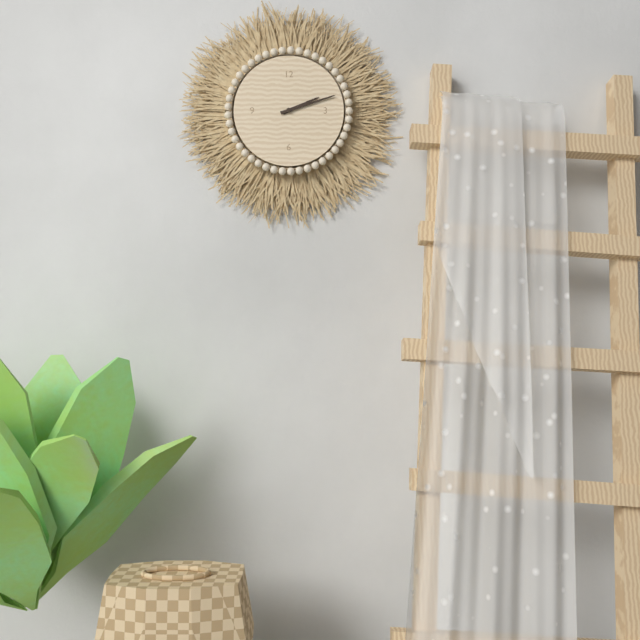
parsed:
2:12
